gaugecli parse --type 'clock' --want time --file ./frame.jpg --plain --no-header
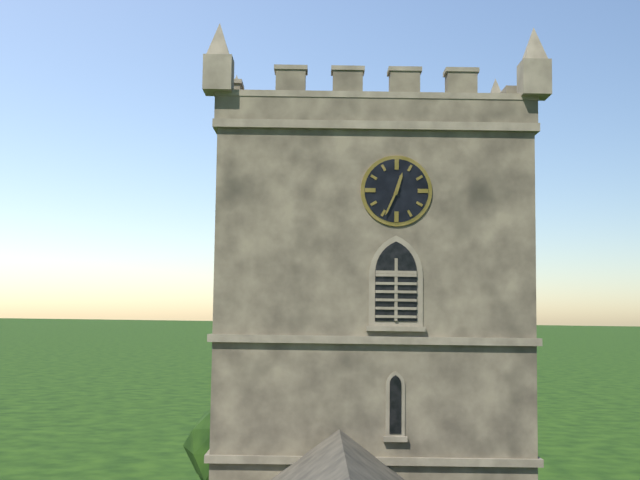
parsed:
12:34
